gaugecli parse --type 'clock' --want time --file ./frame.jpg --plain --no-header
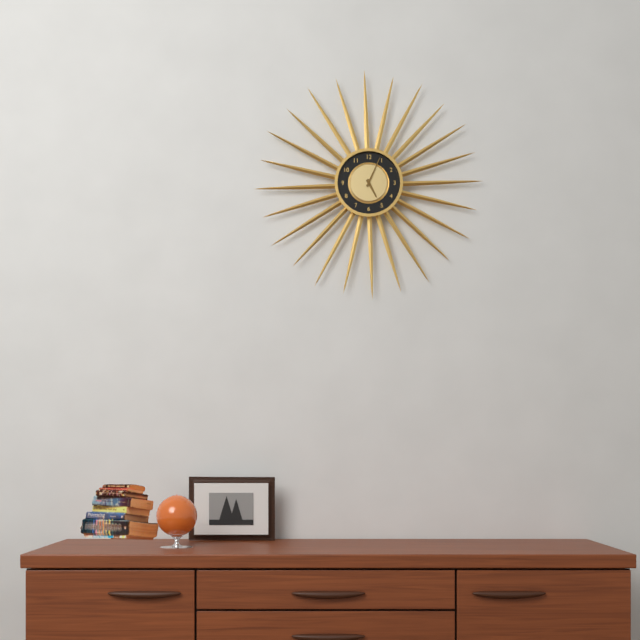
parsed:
5:04
